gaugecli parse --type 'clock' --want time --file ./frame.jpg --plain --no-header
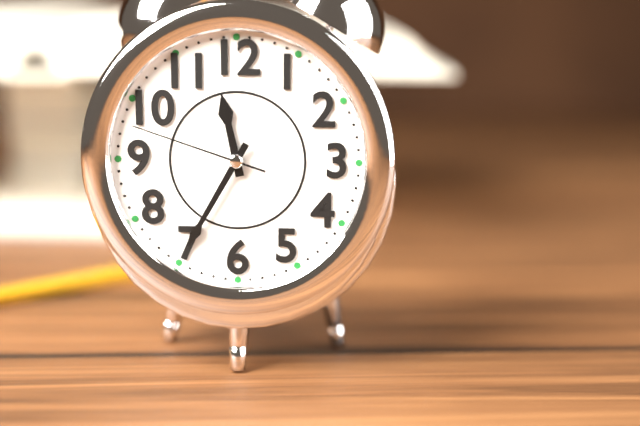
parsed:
11:35:48
